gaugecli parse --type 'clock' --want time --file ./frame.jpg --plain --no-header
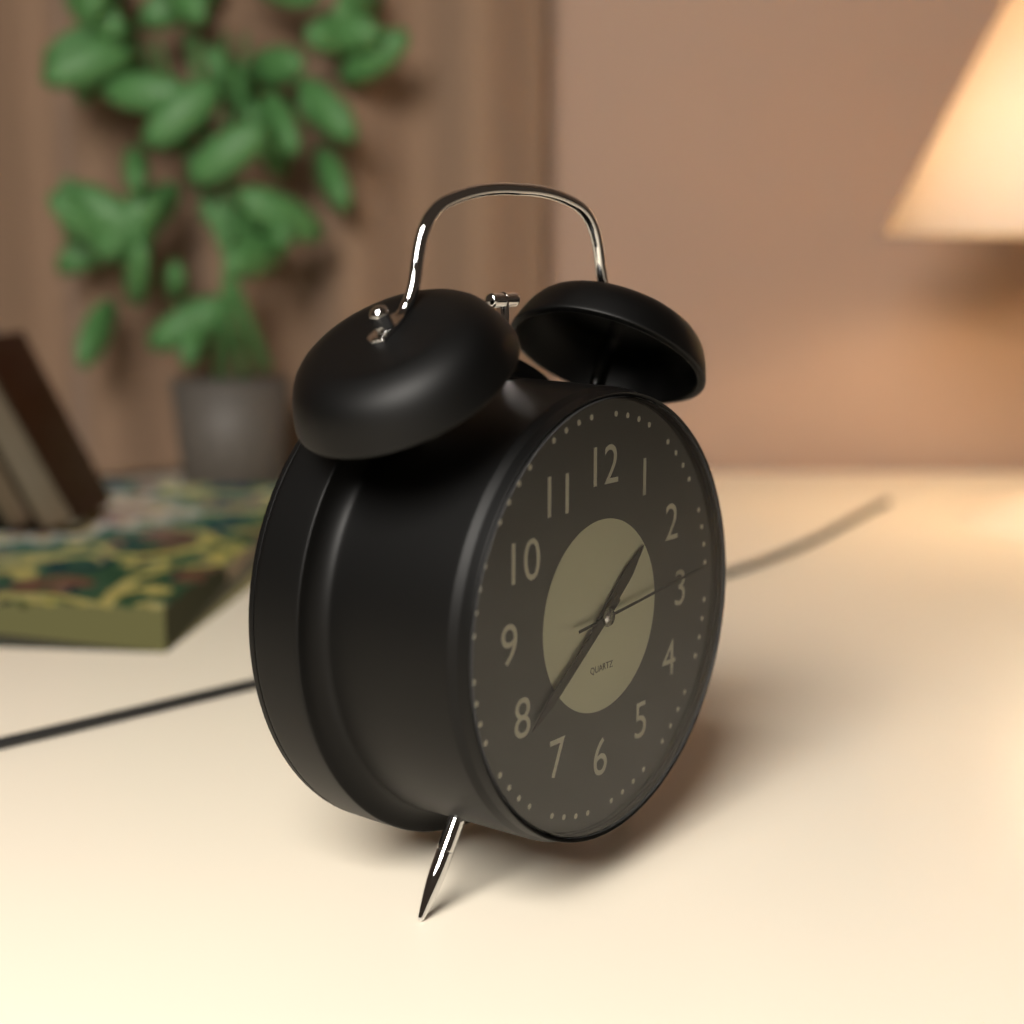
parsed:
1:39:14
